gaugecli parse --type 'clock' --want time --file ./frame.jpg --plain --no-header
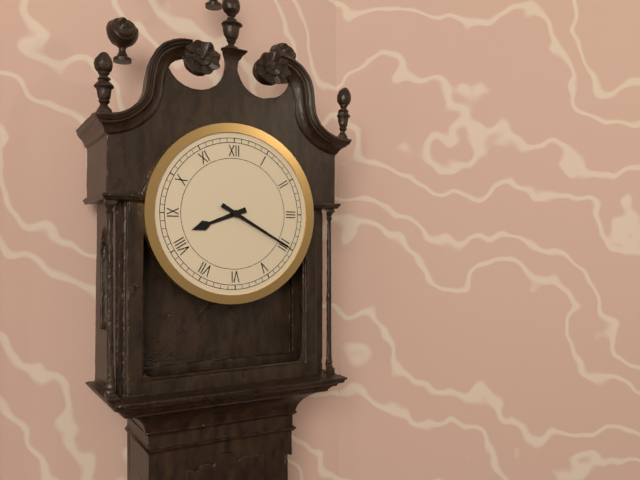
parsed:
8:20
